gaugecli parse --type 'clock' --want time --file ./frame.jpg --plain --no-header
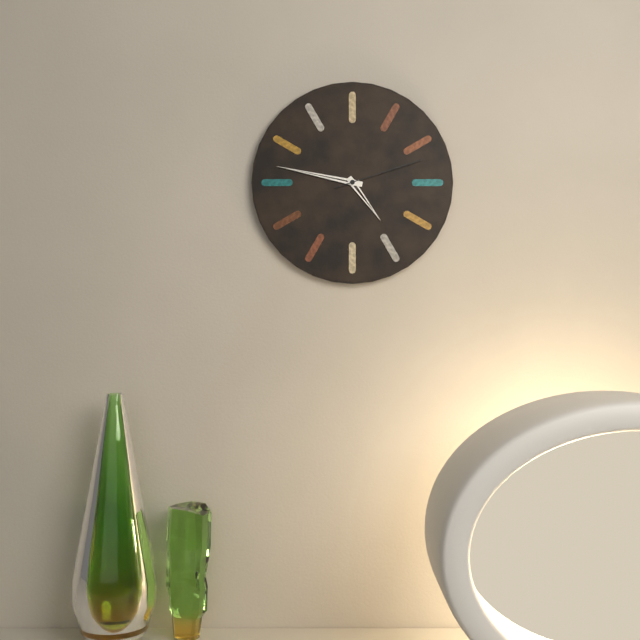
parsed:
4:47:12
